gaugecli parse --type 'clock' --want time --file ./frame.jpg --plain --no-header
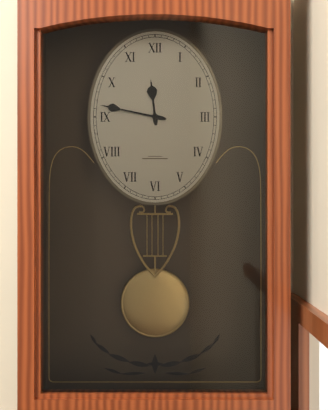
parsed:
11:47
